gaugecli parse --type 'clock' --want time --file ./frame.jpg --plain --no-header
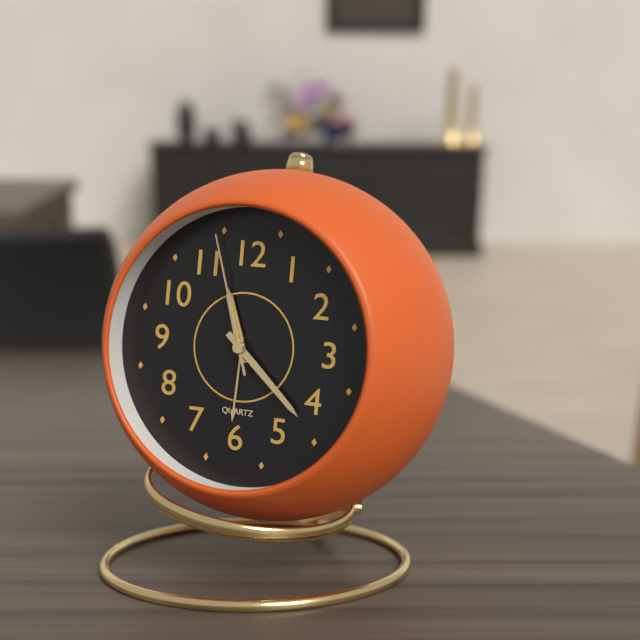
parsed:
11:22:57
